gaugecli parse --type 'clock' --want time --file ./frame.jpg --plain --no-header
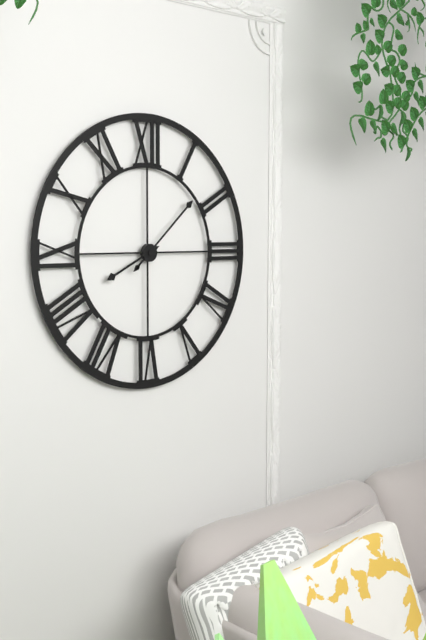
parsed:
8:08
